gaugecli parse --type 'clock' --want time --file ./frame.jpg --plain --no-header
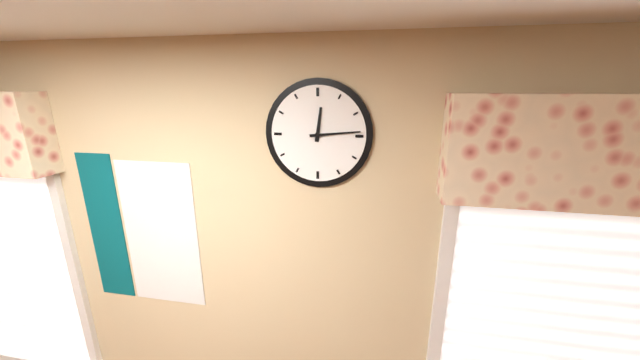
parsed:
12:14
